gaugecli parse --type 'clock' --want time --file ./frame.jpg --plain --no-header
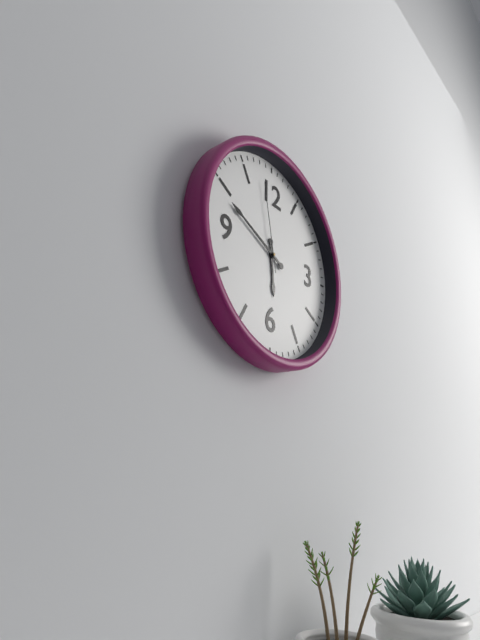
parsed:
5:49:58
